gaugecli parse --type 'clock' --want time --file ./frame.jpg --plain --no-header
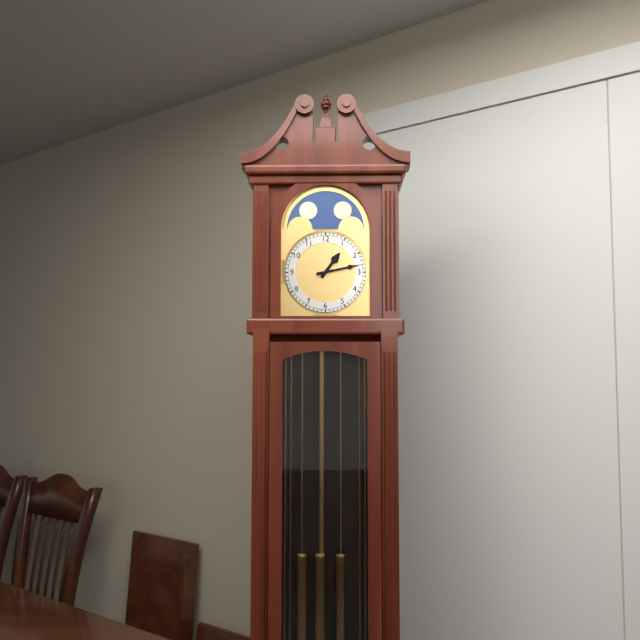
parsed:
1:13
